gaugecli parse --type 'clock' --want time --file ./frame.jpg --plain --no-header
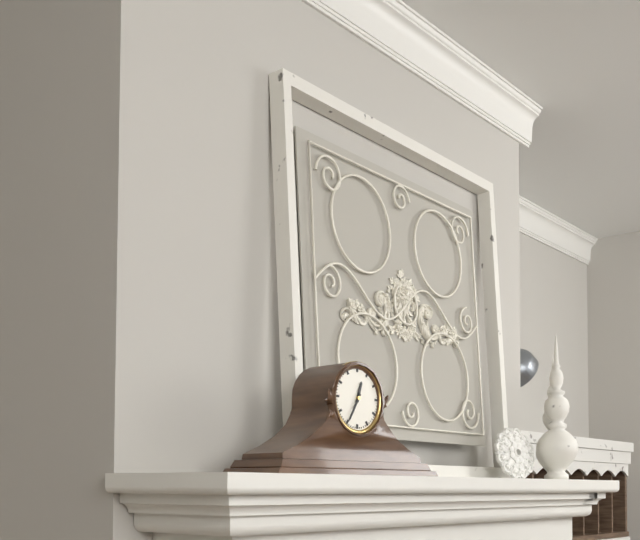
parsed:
12:35
